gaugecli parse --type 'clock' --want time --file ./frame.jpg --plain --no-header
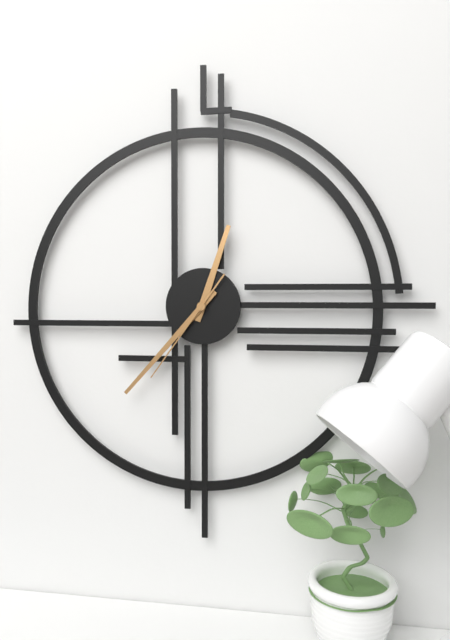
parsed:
12:37:36
